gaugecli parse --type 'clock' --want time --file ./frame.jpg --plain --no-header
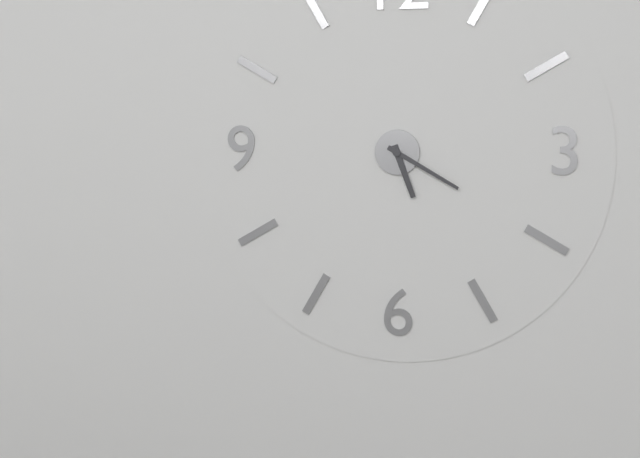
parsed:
5:20
